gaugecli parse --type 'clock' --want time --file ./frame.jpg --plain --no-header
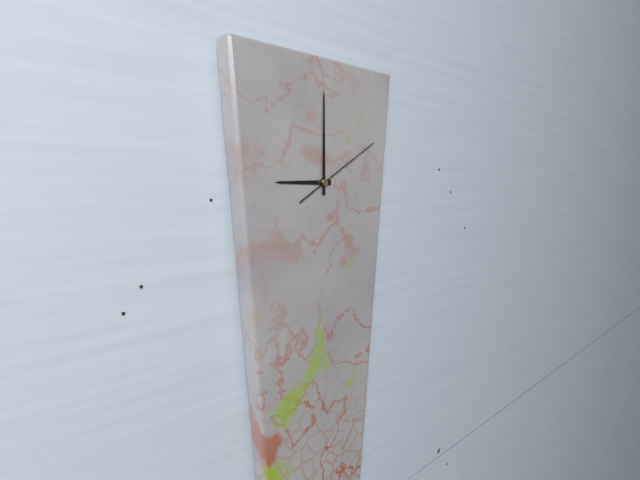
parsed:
9:00:10
